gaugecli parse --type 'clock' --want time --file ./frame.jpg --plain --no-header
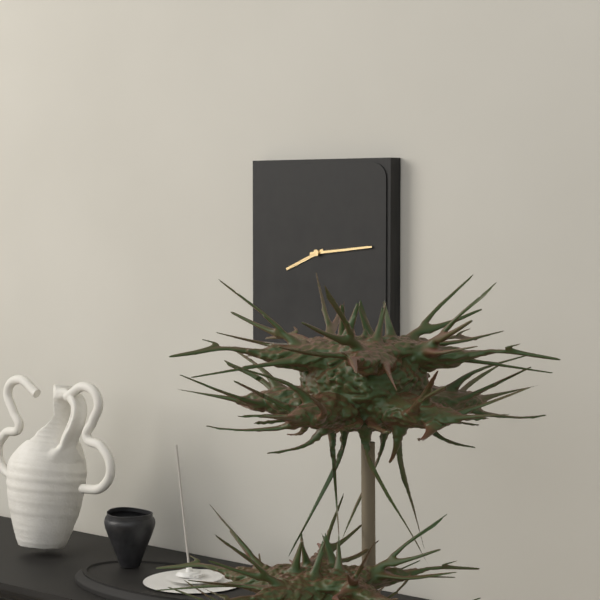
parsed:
8:14
